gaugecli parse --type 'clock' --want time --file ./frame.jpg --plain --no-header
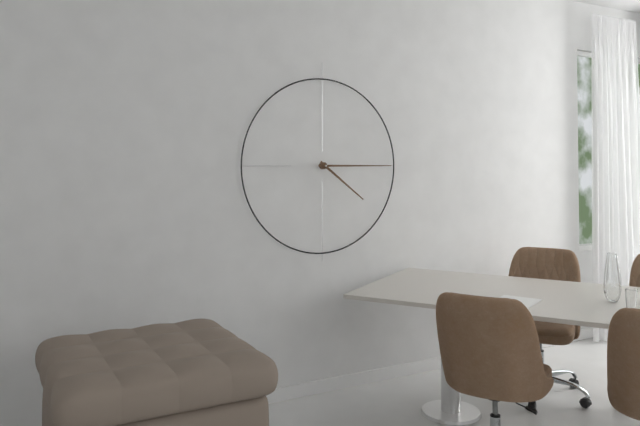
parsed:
4:15
